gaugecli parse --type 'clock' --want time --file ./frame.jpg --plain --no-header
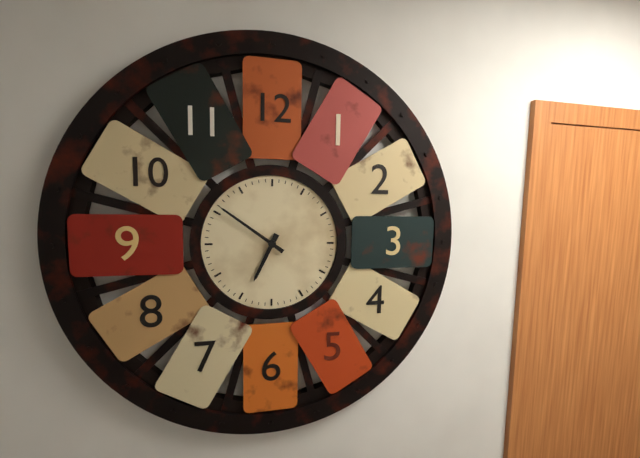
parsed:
6:51
